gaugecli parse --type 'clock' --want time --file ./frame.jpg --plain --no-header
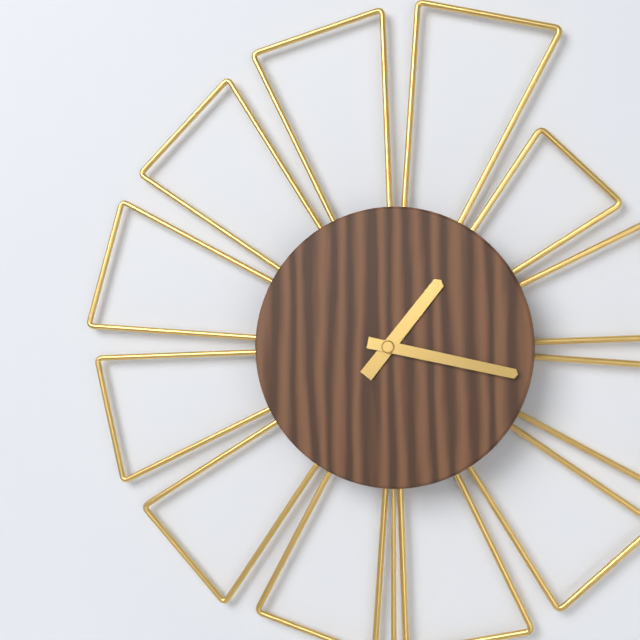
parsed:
1:17
